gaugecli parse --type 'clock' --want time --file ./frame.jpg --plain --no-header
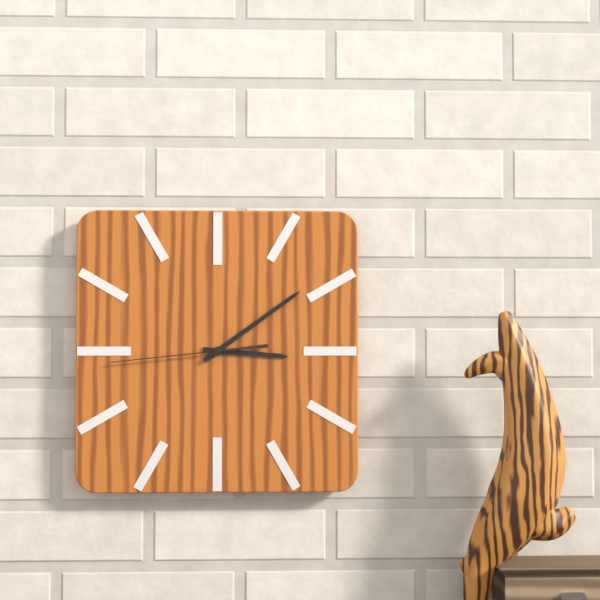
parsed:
3:09:44
